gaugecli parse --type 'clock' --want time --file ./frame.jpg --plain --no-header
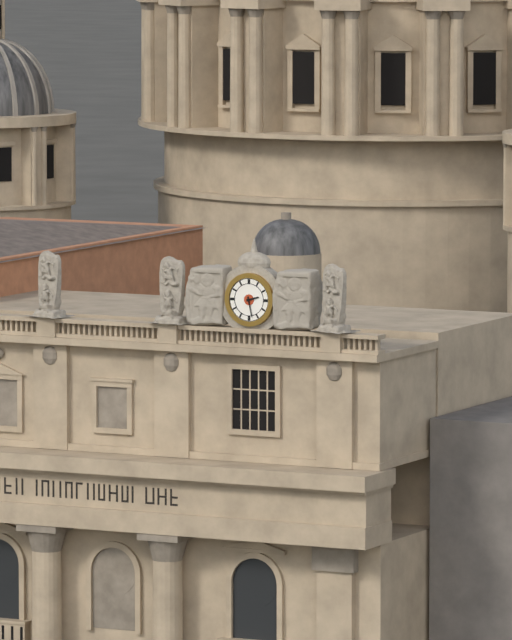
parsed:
2:28
